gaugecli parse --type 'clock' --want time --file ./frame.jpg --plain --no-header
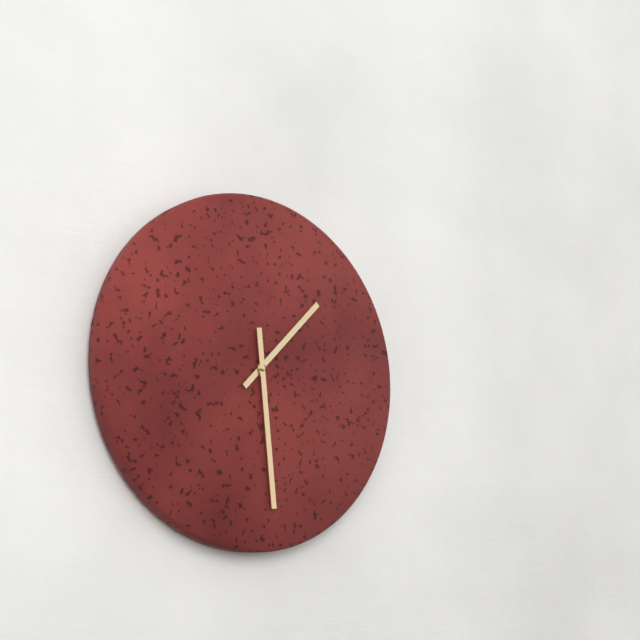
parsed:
1:29
